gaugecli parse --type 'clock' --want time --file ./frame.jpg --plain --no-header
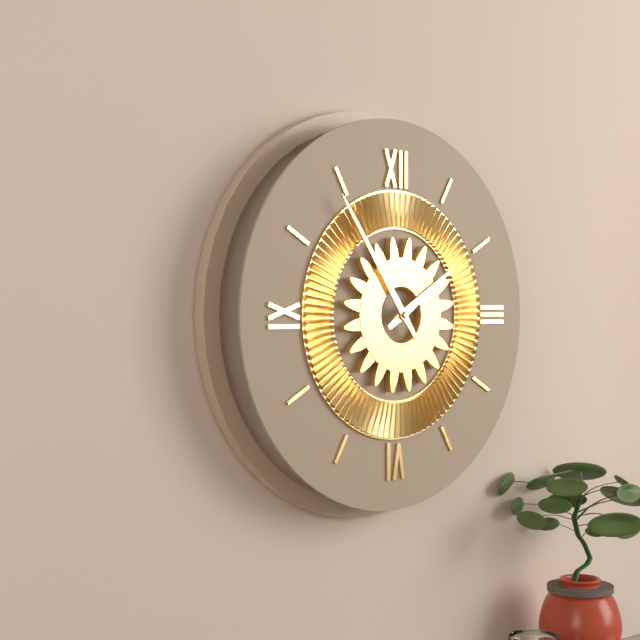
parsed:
1:54
